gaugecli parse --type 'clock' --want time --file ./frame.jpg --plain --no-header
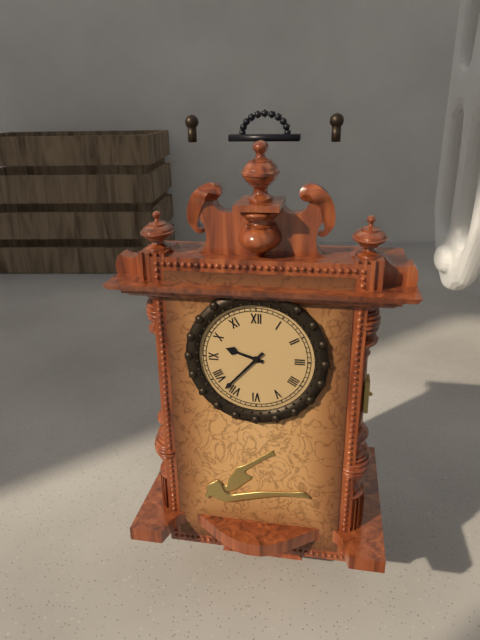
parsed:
9:37
